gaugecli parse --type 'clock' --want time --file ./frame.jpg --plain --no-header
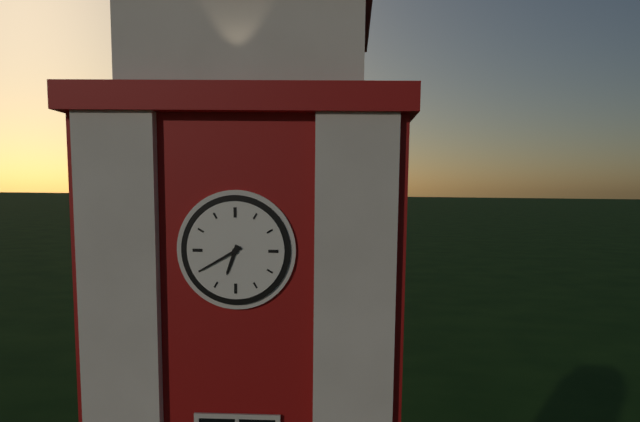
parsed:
6:40
